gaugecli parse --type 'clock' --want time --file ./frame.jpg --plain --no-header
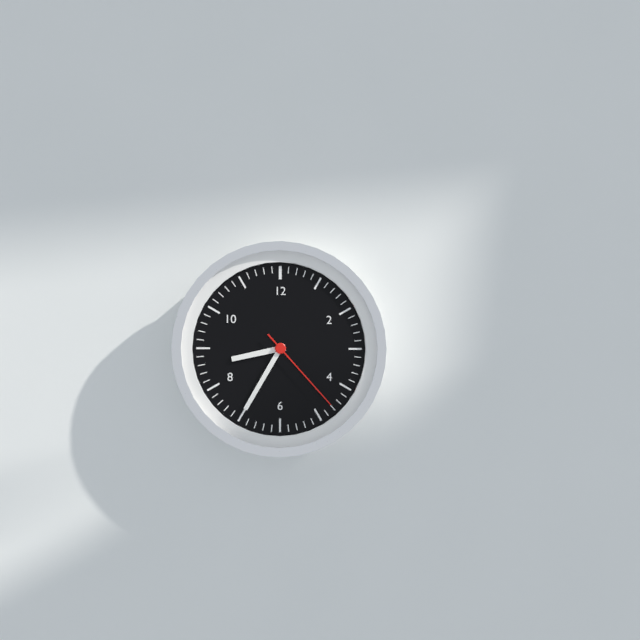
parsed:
8:35:23
